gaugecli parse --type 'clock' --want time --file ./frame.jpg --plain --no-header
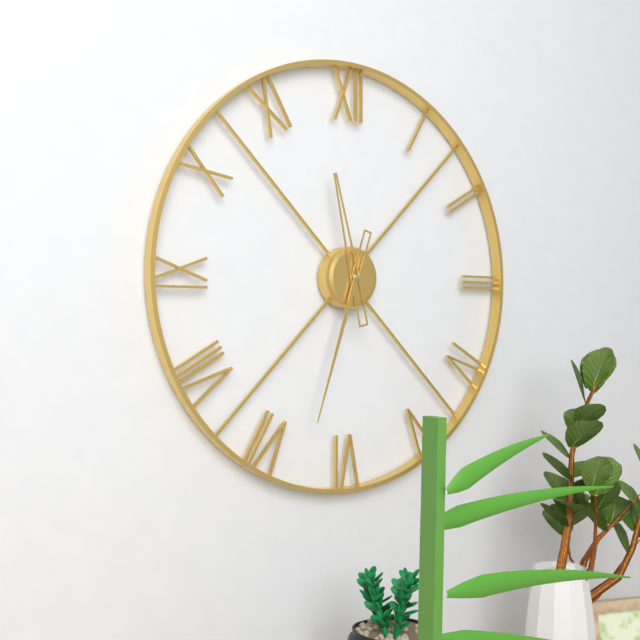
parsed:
11:33
